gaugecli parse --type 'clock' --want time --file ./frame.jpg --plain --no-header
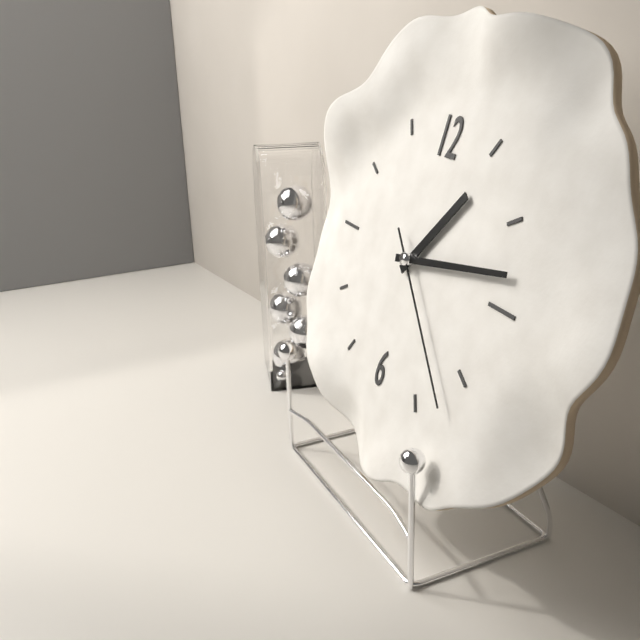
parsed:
1:13:22
